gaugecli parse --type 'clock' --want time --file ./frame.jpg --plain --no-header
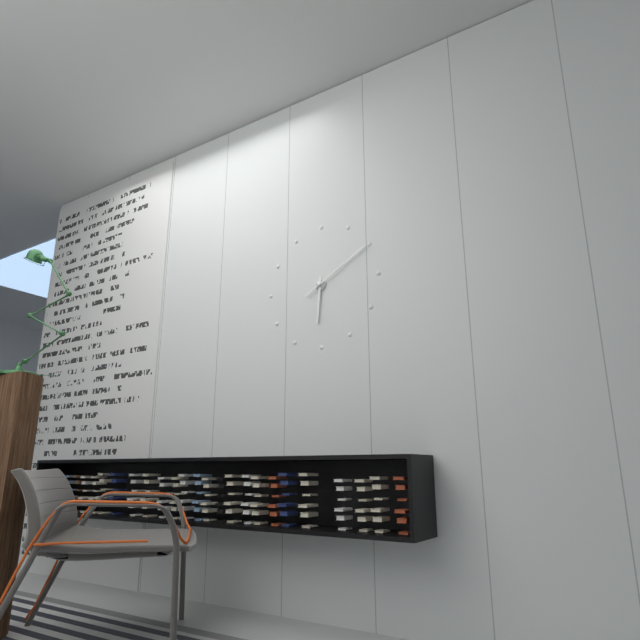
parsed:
6:10
